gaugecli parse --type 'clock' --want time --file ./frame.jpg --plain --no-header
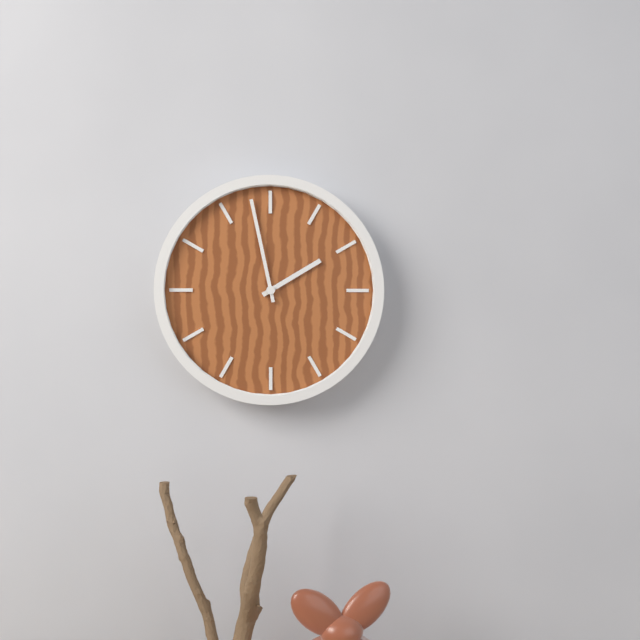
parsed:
1:58
